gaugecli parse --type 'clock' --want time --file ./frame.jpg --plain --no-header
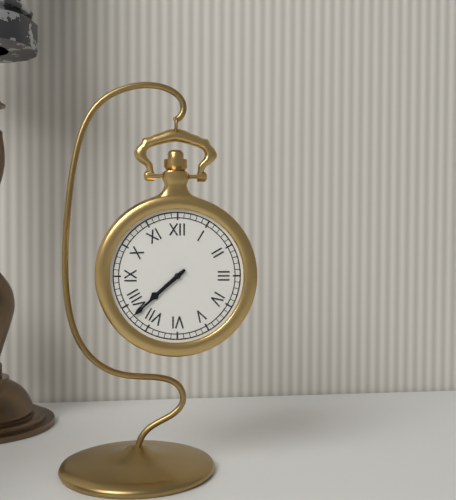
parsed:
7:38
